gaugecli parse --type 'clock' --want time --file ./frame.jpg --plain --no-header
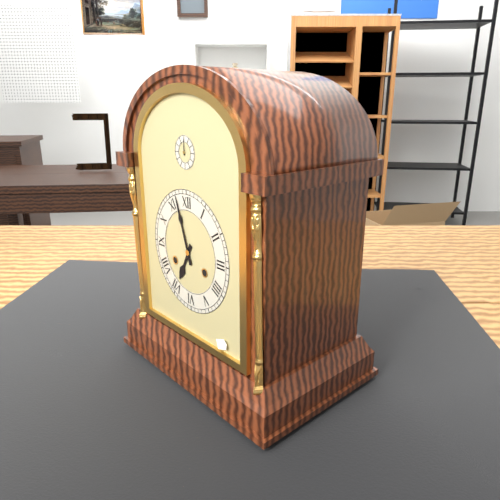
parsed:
6:57
